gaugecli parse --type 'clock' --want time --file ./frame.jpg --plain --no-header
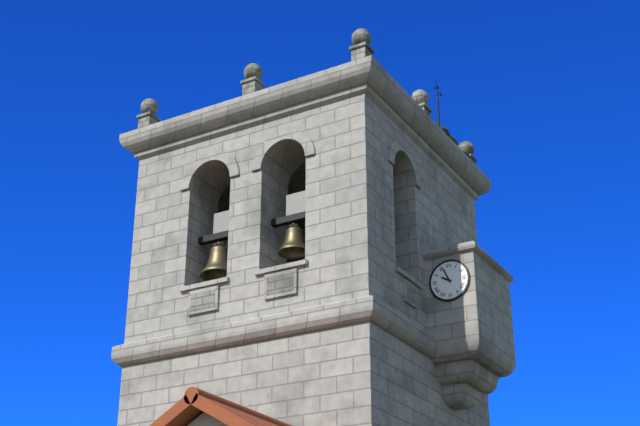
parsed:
9:56
